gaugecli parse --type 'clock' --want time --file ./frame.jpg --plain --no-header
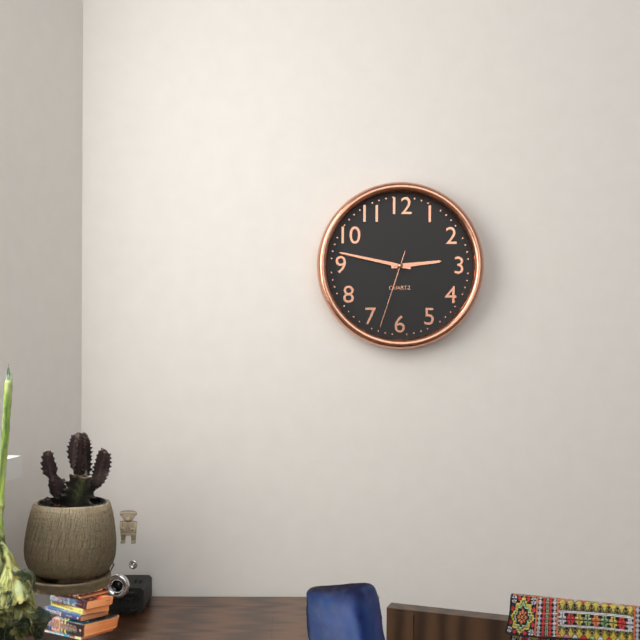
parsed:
2:47:33
